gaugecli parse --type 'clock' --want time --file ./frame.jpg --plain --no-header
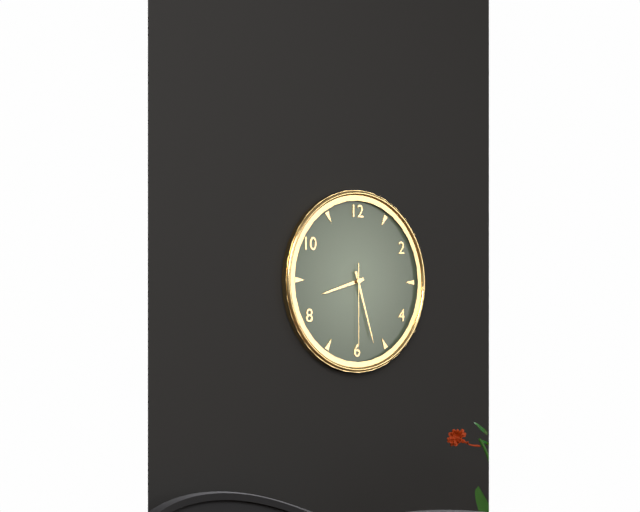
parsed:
8:27:30
